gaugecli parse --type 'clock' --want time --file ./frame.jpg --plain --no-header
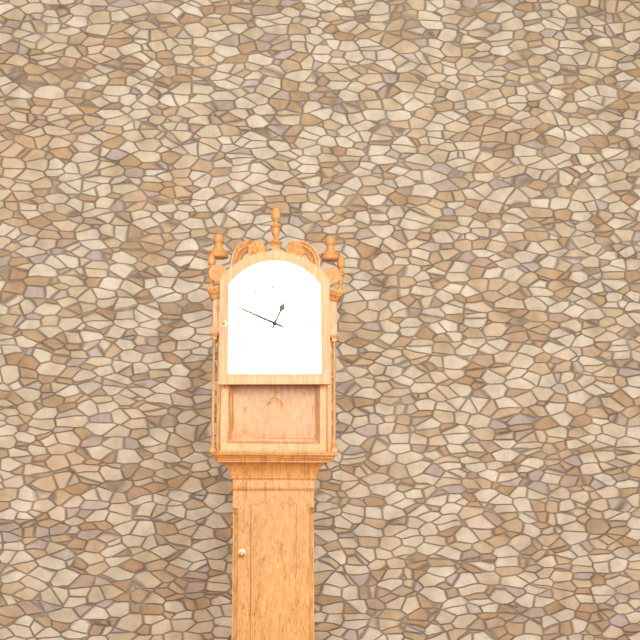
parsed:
12:49
